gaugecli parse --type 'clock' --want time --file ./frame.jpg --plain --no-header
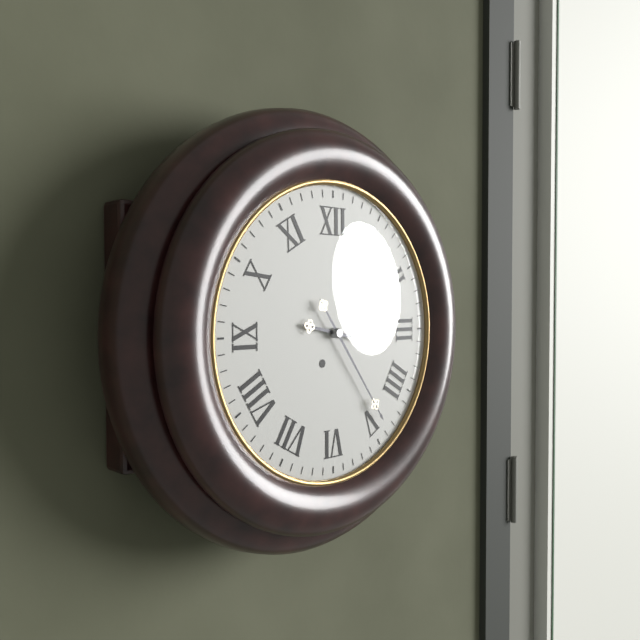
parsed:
3:24
